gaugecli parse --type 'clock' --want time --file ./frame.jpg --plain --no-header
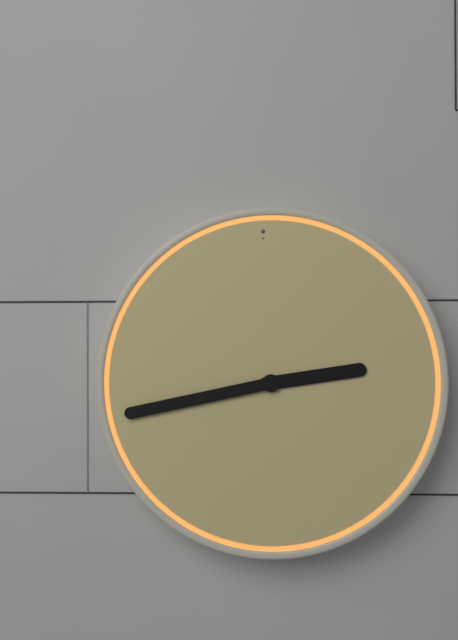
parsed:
2:43
